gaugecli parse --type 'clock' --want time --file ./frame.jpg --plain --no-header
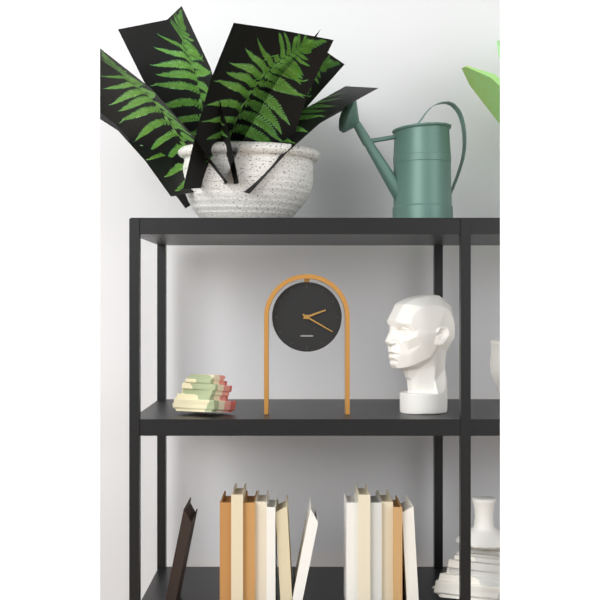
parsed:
2:20
